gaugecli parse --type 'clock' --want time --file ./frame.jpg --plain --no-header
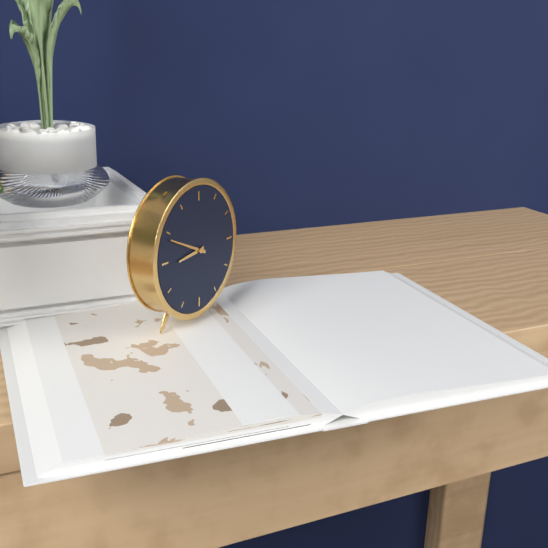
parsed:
8:49
